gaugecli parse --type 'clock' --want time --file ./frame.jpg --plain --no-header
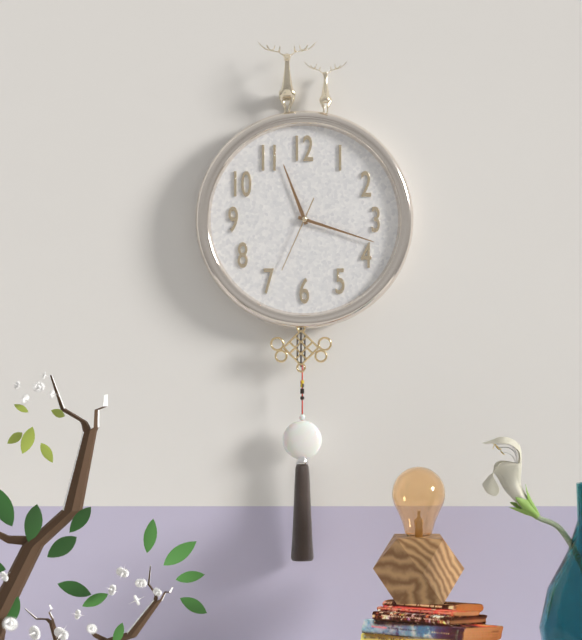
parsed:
11:18:34
